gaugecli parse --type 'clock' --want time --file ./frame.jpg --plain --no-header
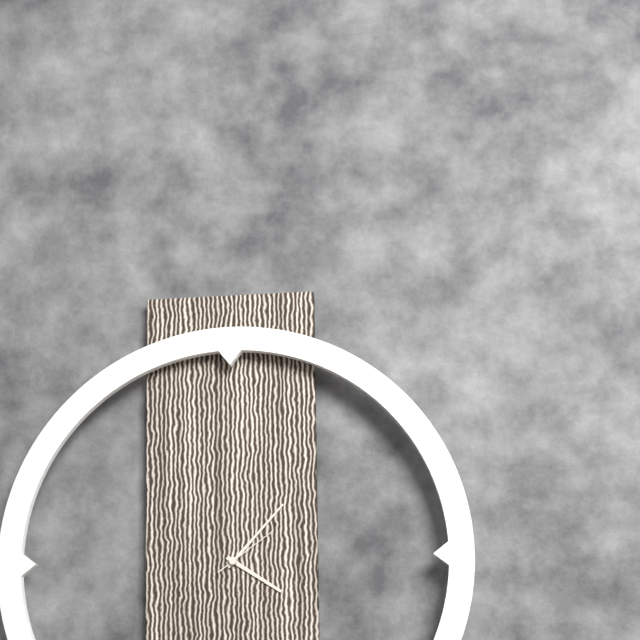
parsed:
4:07:09
